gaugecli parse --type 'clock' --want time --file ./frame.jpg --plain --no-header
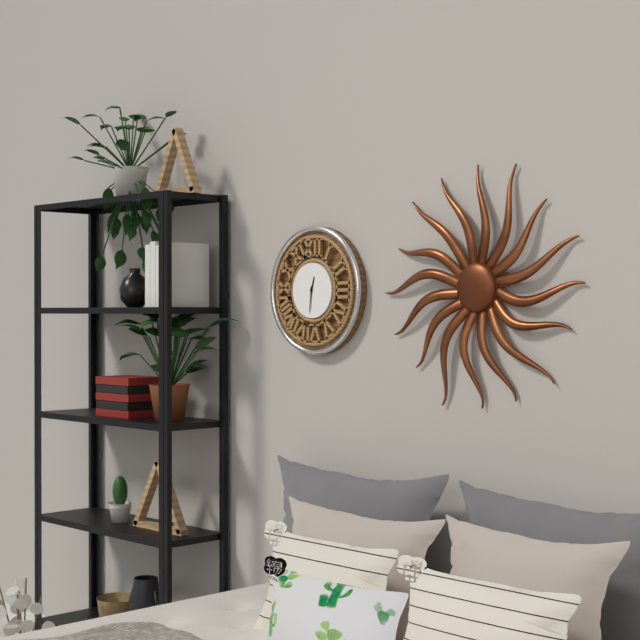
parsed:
12:31
